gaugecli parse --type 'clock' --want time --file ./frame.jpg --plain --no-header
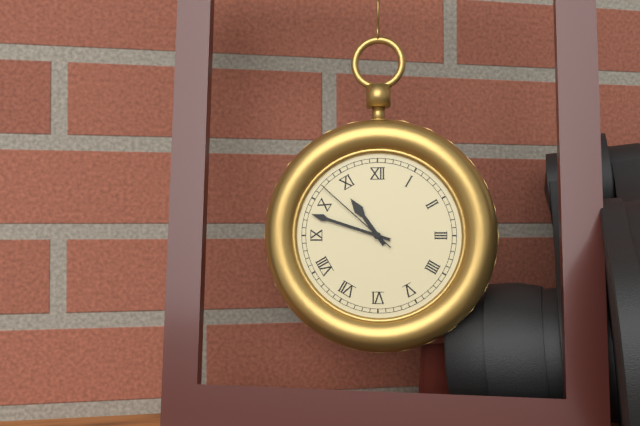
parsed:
10:48:52
